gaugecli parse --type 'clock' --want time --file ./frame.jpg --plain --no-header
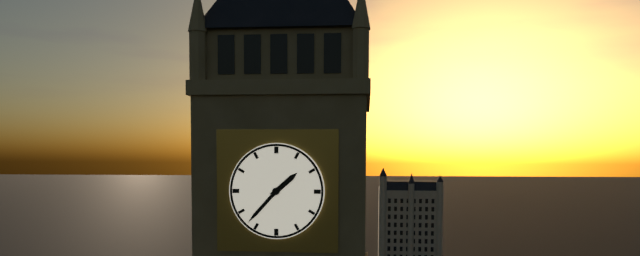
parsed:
1:37
